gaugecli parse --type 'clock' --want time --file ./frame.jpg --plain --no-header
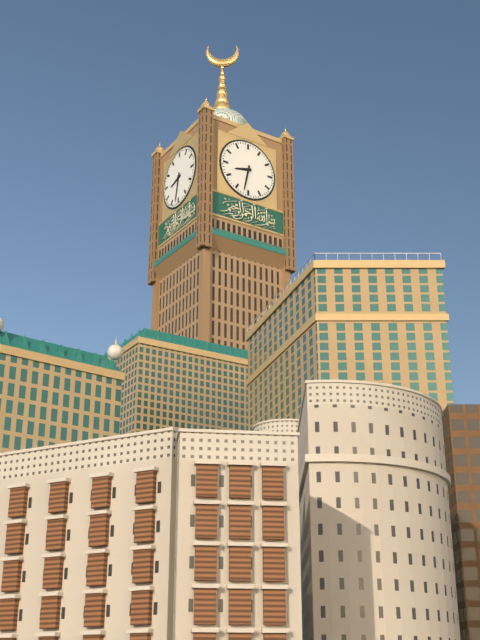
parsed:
8:32
